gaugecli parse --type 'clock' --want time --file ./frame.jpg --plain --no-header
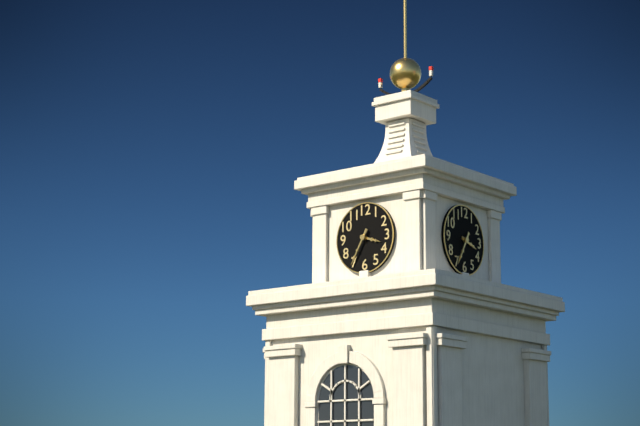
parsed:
3:35
